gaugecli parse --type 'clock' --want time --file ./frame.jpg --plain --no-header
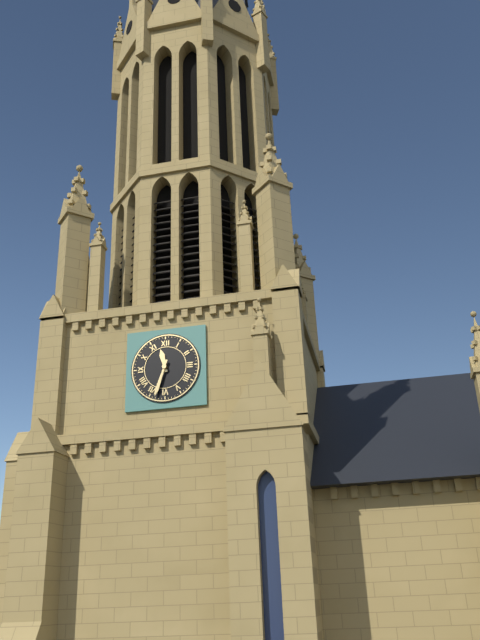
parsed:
11:33
